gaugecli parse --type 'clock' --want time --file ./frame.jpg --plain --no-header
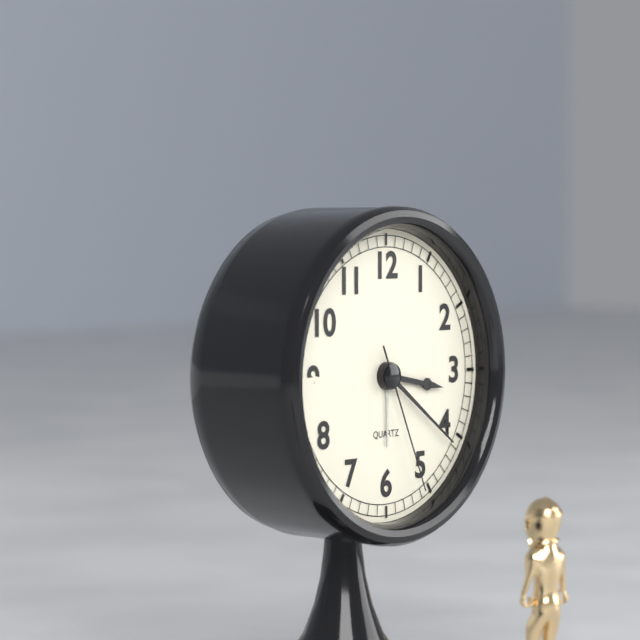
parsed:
3:21:26
